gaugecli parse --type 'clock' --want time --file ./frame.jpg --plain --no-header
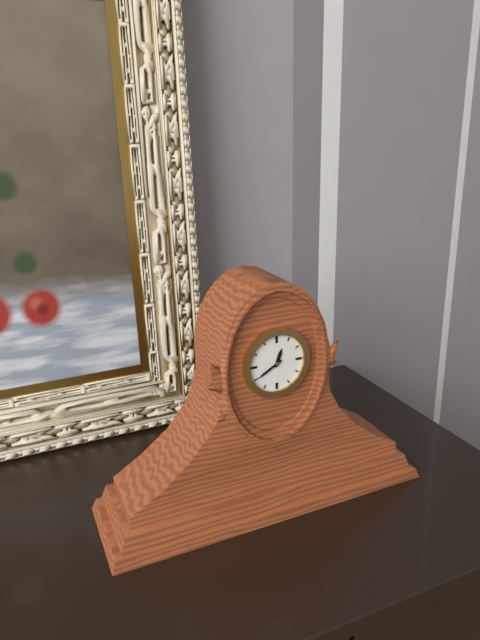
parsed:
12:40
